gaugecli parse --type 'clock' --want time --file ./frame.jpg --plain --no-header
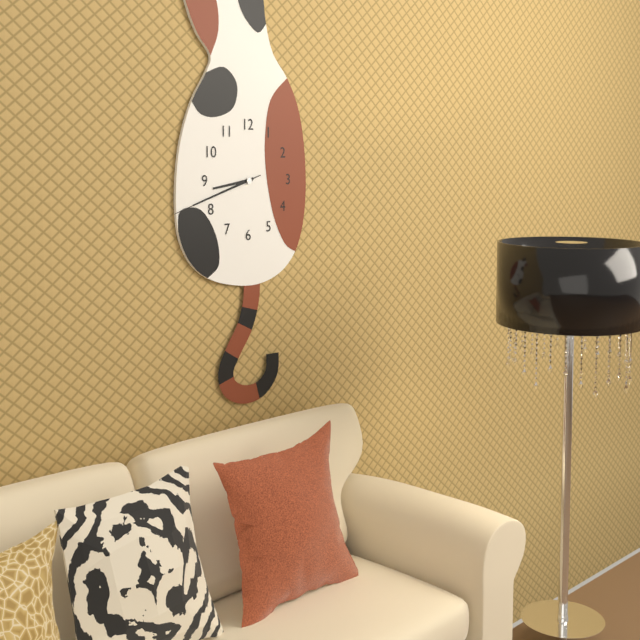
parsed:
8:42:42
